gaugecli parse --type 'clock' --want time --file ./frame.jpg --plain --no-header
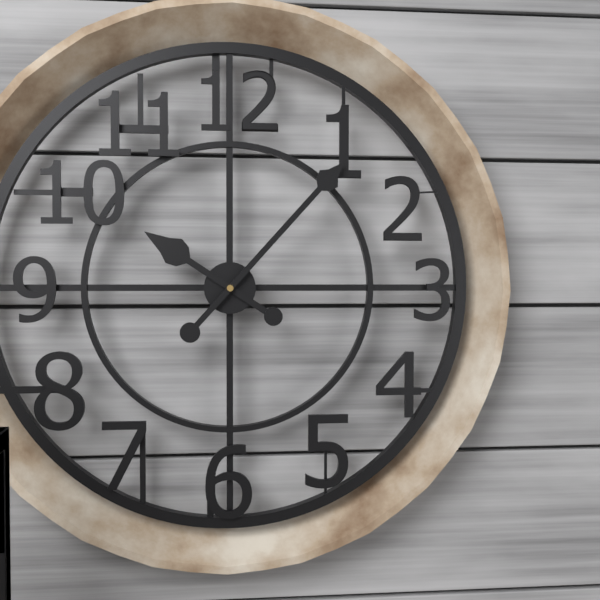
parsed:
10:07
